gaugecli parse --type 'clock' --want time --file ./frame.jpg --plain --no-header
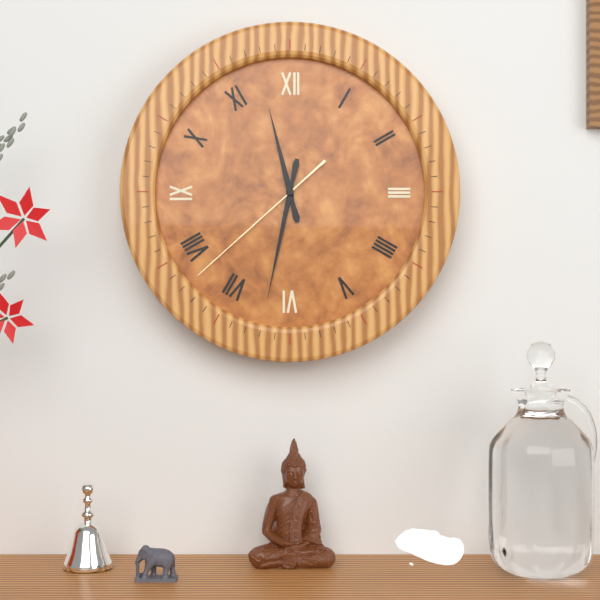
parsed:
11:32:38
